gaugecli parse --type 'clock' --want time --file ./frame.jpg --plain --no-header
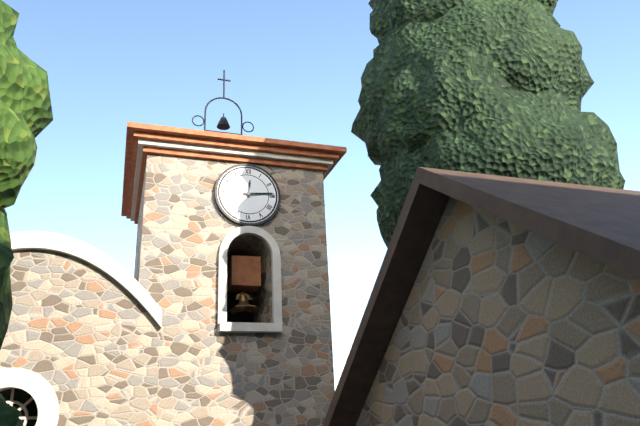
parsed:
12:14
